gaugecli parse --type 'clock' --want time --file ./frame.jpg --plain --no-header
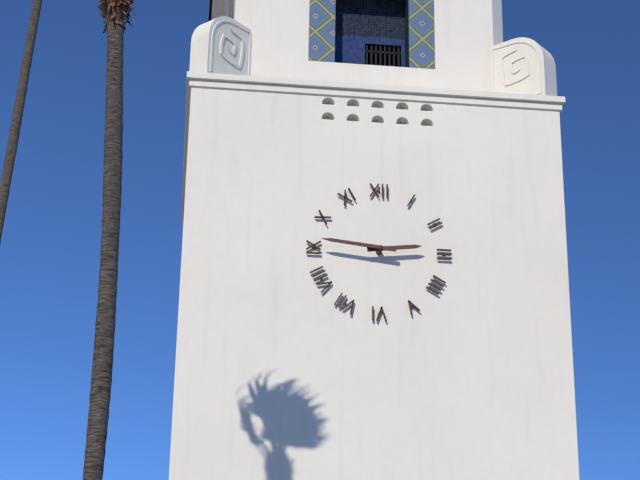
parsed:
2:46
